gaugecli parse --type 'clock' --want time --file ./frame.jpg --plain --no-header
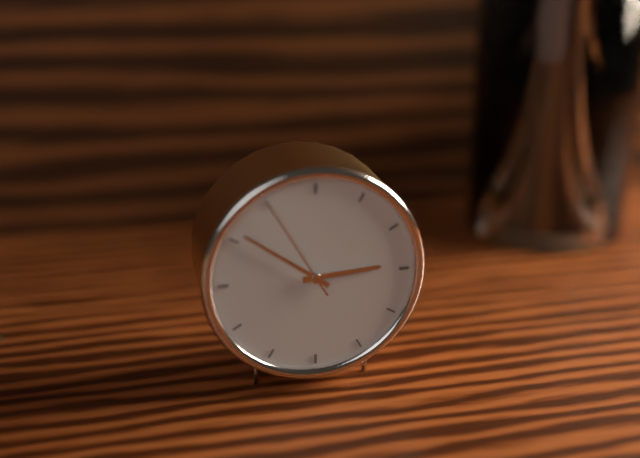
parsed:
2:51:55
